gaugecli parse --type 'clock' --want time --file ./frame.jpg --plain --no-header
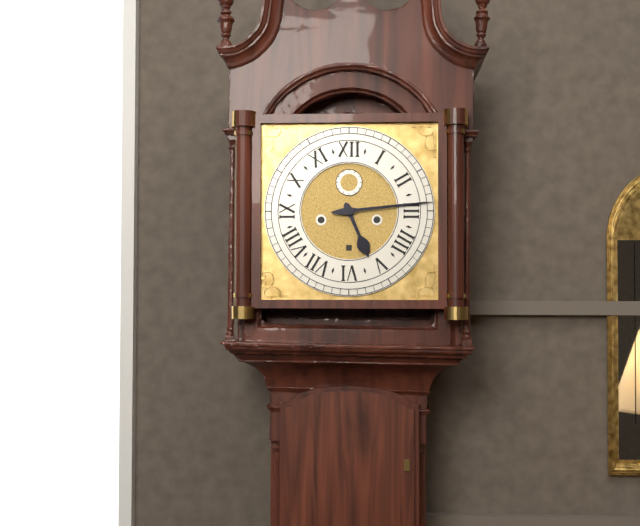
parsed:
5:14
